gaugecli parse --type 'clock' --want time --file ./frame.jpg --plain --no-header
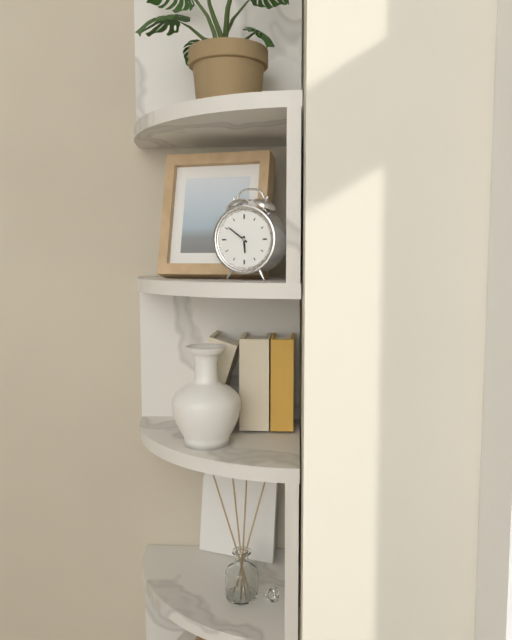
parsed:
5:51
